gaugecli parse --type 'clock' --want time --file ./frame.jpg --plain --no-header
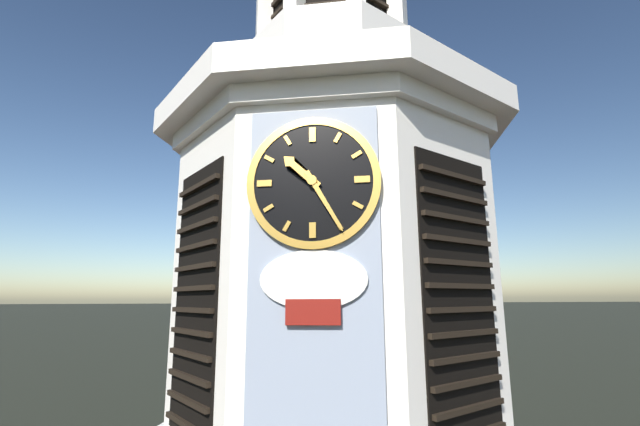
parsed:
10:25
